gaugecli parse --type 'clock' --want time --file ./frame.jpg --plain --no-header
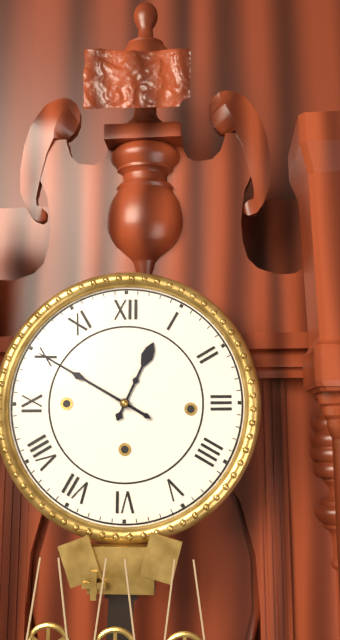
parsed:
12:50
